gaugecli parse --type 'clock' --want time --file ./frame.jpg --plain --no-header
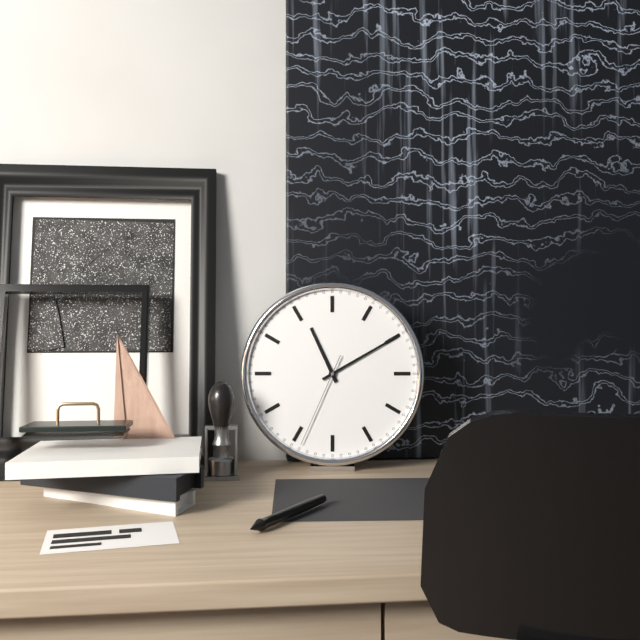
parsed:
11:10:34
